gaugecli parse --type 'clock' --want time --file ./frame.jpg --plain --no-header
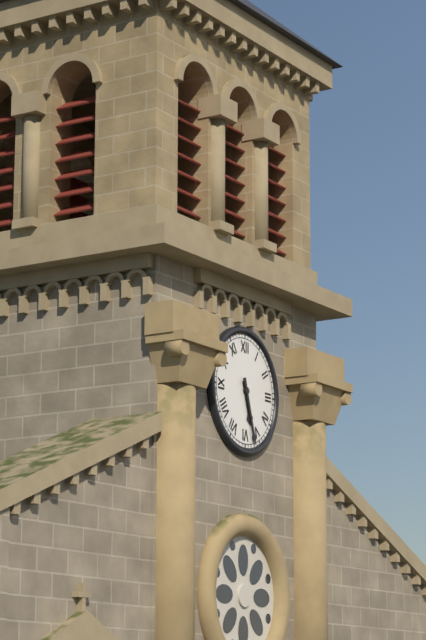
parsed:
5:27
